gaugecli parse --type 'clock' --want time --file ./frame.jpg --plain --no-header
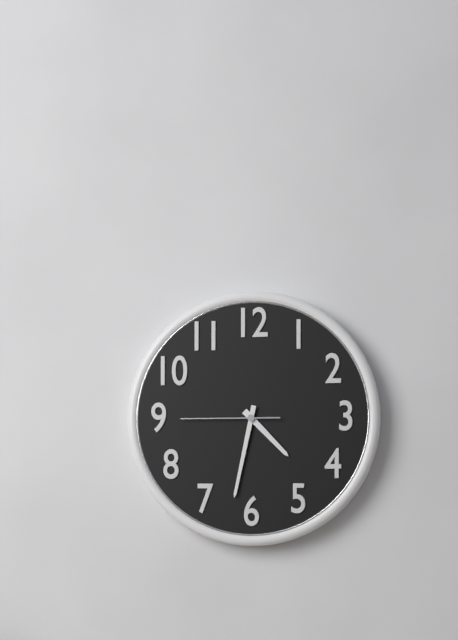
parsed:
4:32:45
